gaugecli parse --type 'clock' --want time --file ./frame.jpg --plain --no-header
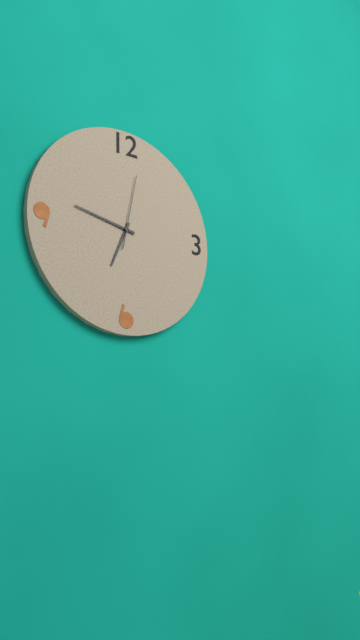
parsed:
6:47:02
